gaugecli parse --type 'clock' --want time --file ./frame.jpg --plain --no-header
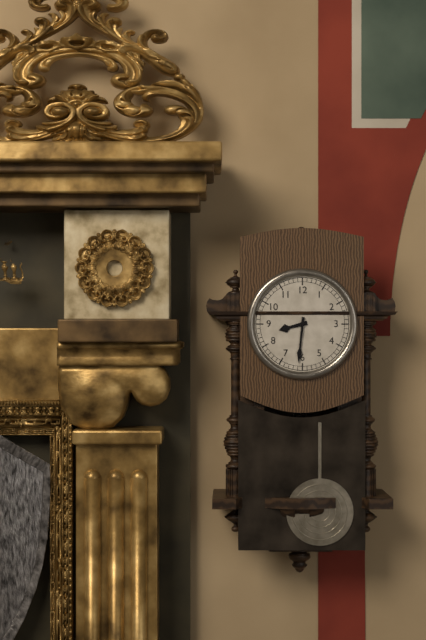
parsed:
8:31
